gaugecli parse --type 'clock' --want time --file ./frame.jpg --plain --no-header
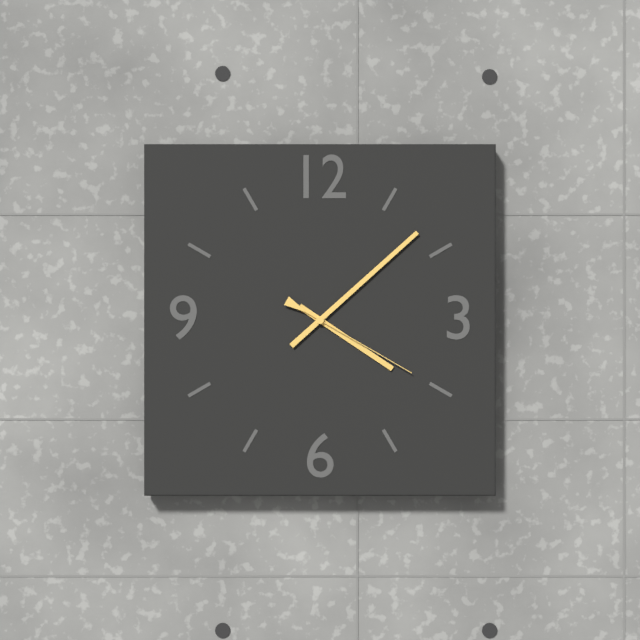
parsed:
4:08:20
